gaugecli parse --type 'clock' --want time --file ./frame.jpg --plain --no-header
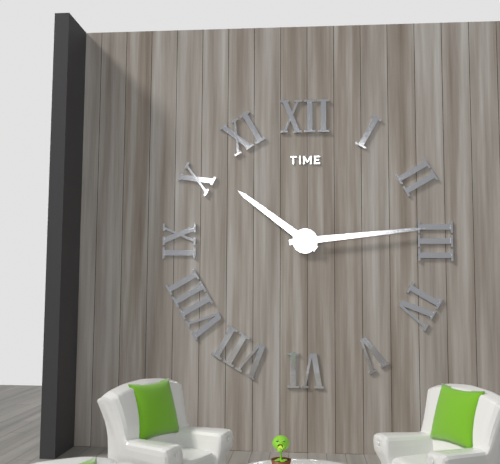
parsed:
10:14
